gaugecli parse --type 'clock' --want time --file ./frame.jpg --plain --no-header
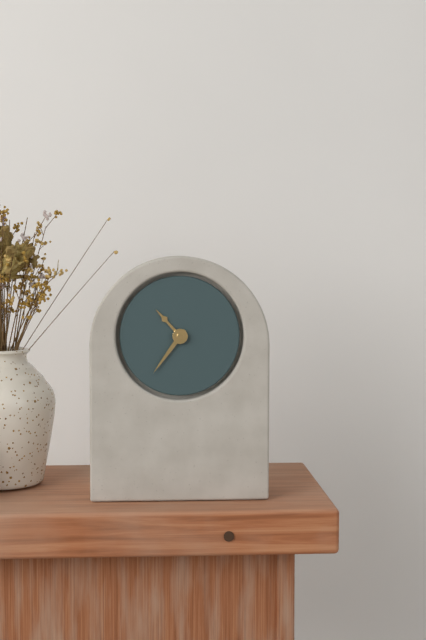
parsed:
10:36
